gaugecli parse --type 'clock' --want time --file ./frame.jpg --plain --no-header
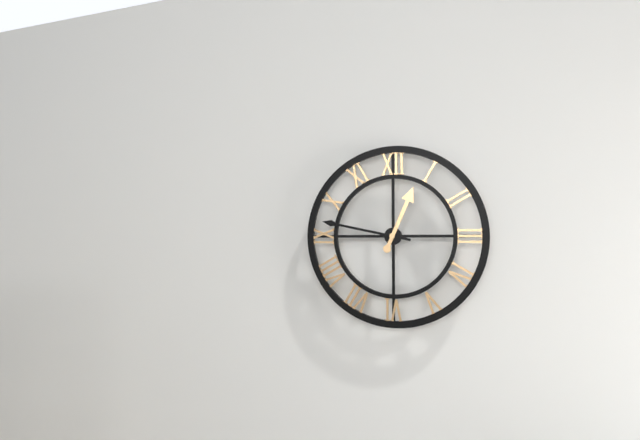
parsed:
12:47
